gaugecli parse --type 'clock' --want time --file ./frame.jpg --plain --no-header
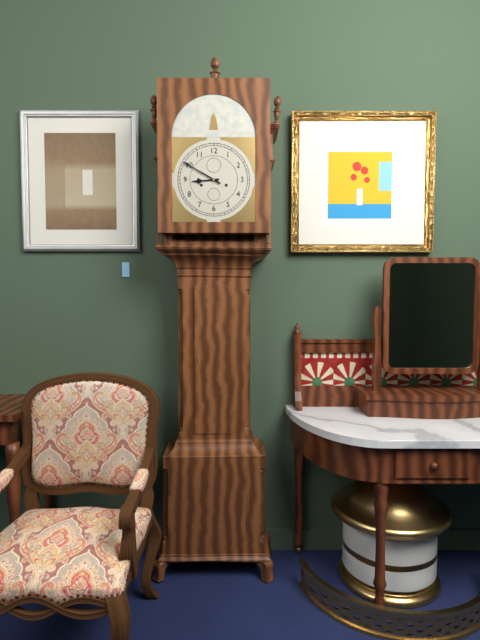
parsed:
8:50
